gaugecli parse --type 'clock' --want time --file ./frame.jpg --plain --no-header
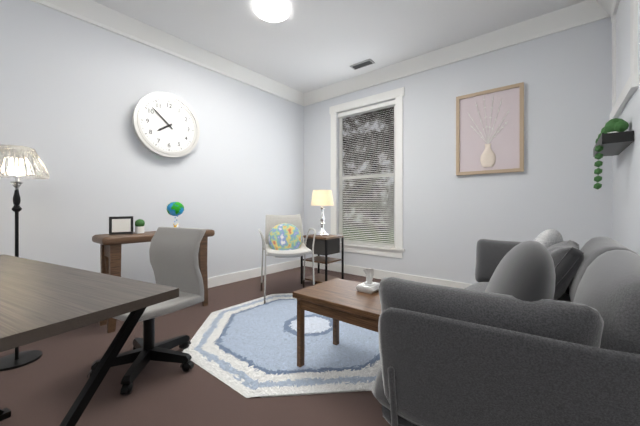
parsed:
7:52
